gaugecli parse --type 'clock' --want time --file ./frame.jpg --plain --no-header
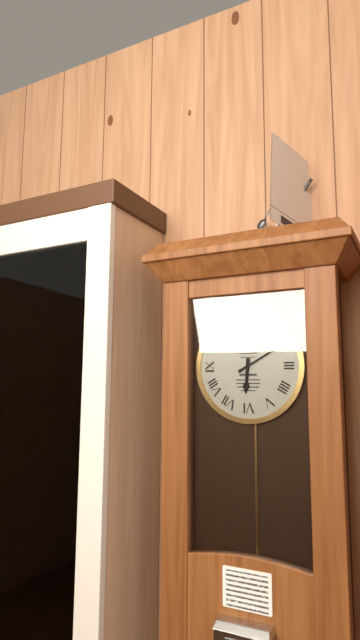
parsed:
6:10
